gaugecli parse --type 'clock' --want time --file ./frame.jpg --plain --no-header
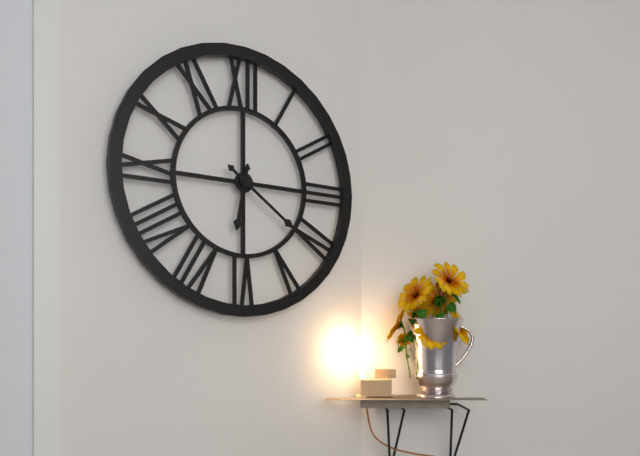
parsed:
6:21
